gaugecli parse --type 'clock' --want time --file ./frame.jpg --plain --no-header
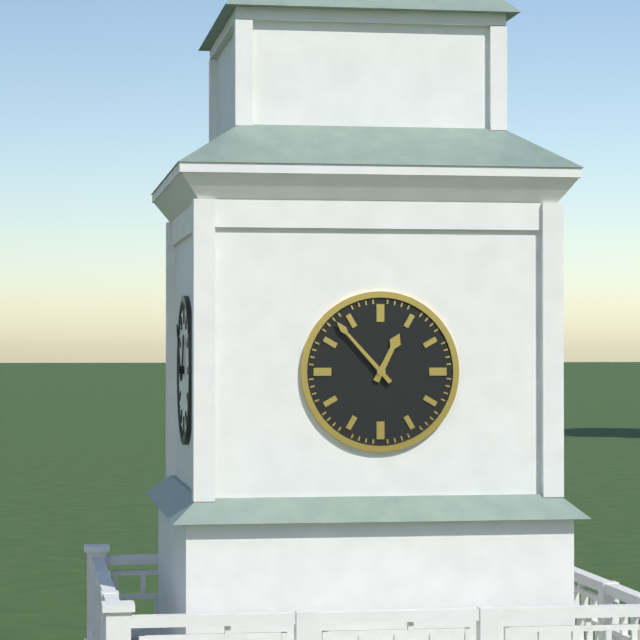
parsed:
12:53
